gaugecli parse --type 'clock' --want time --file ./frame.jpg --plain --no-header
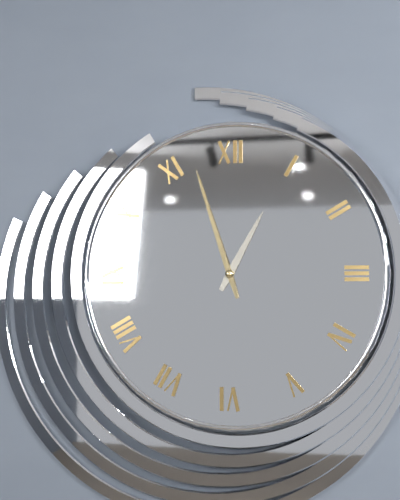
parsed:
12:57
